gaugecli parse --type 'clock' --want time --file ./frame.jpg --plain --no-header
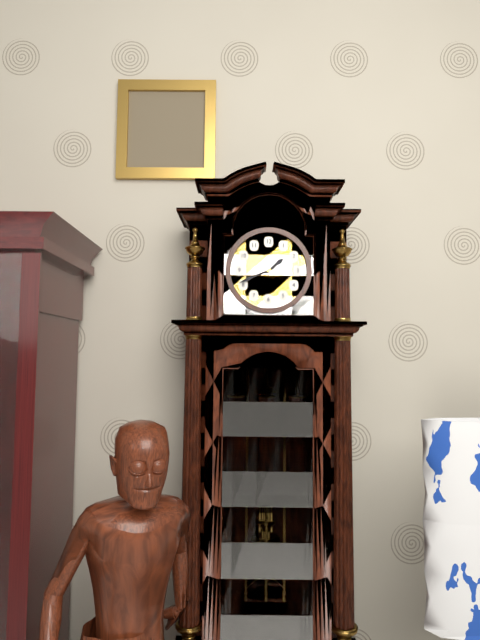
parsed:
1:41
